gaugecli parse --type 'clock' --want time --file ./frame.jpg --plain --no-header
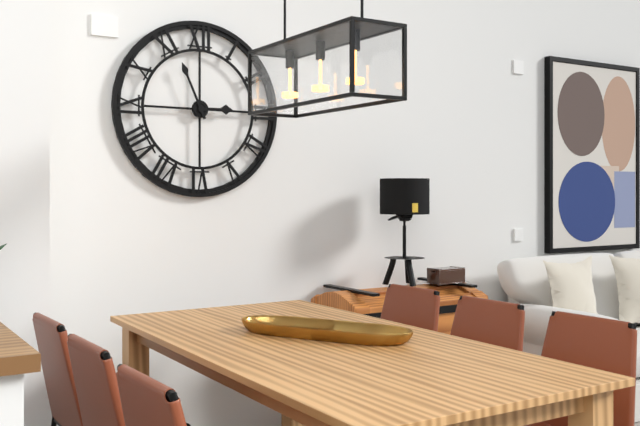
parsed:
2:56
